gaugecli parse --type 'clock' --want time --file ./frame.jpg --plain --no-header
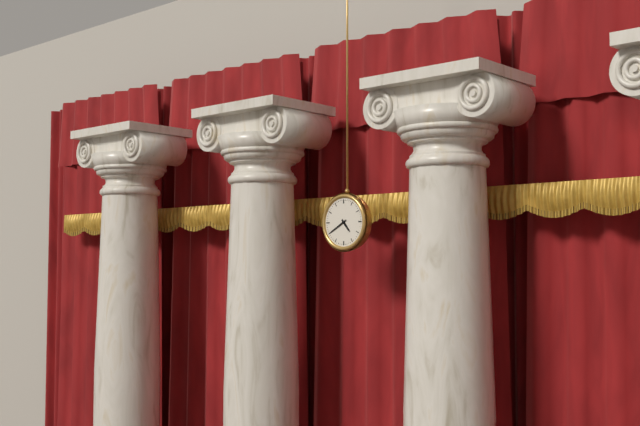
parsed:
4:40
